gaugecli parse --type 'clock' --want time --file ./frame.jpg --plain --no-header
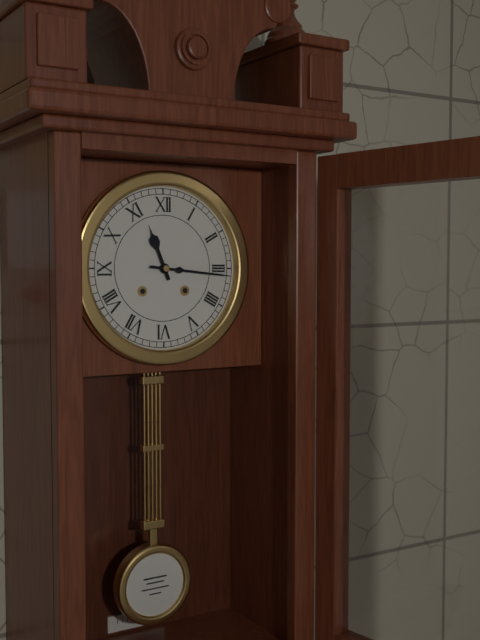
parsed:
11:16
